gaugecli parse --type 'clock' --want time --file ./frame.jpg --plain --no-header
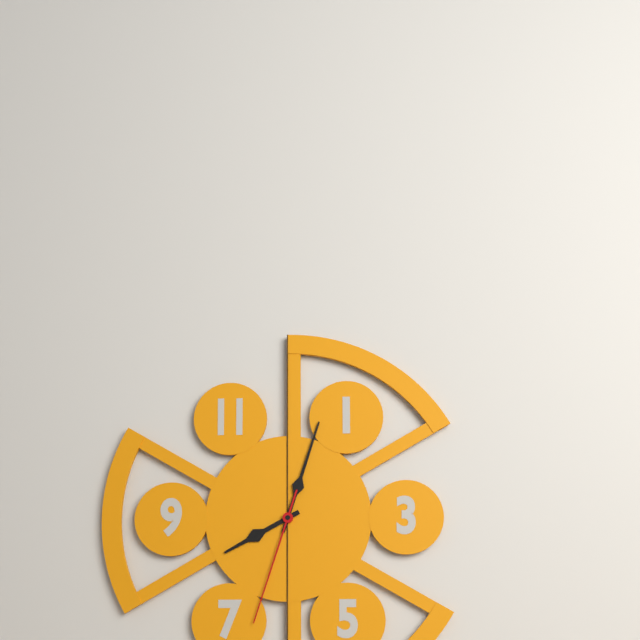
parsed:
8:03:33
